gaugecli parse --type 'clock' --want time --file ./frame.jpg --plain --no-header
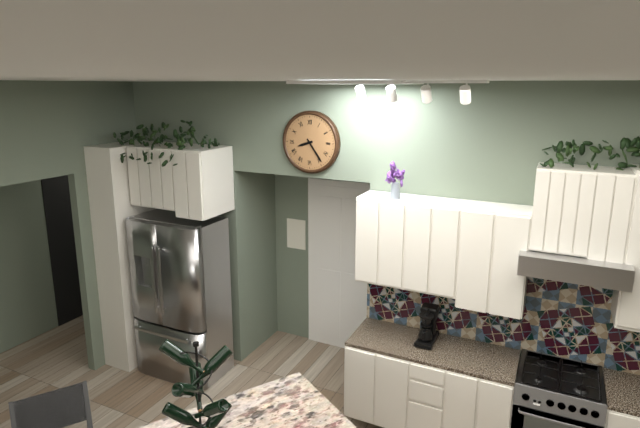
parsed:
8:24
